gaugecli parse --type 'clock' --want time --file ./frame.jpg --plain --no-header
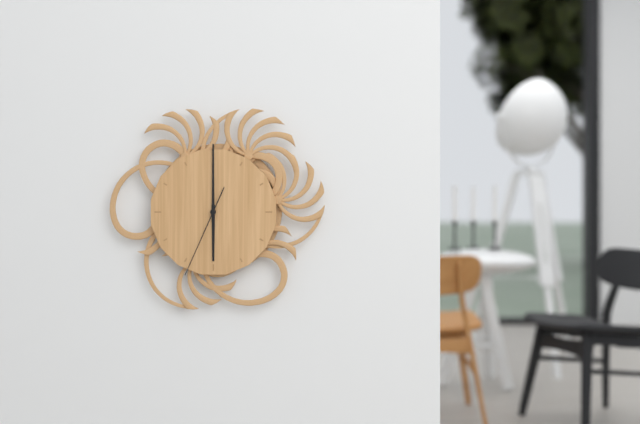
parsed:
6:00:34
